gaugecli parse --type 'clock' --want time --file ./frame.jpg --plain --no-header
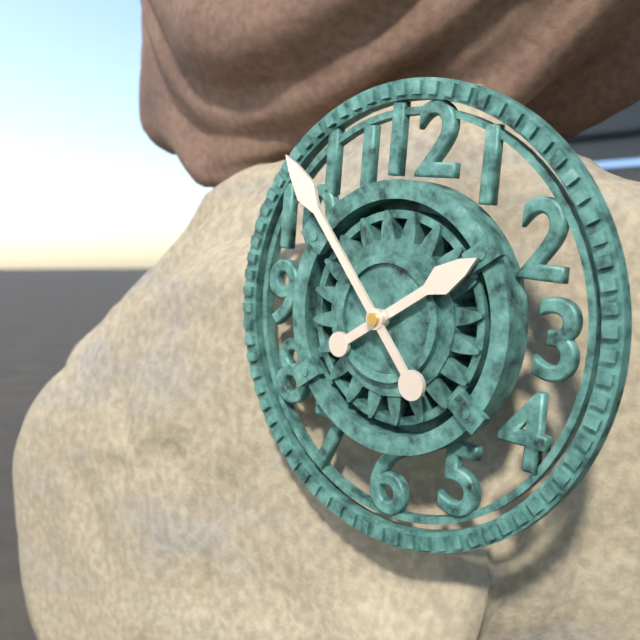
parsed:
1:53
